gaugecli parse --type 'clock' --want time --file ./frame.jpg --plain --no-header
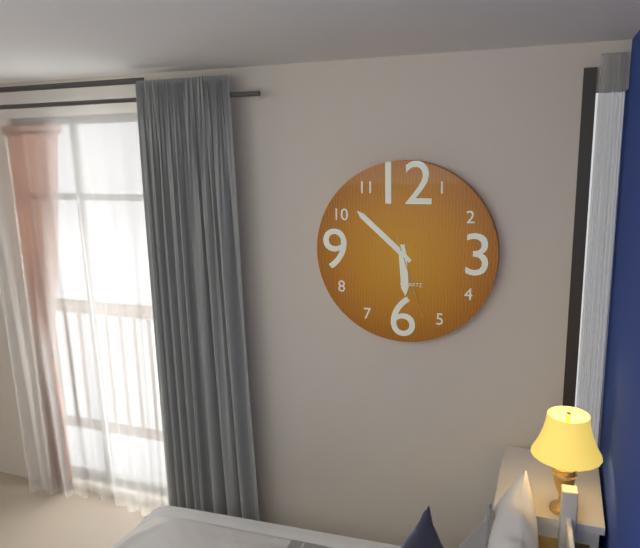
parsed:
5:52:27
